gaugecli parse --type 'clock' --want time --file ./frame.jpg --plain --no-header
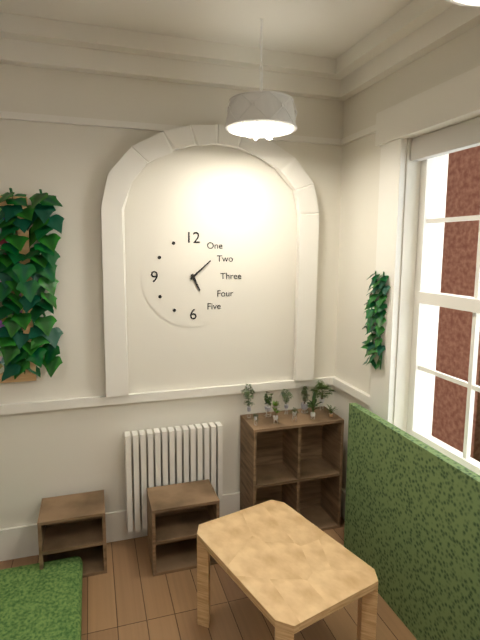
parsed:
5:08
